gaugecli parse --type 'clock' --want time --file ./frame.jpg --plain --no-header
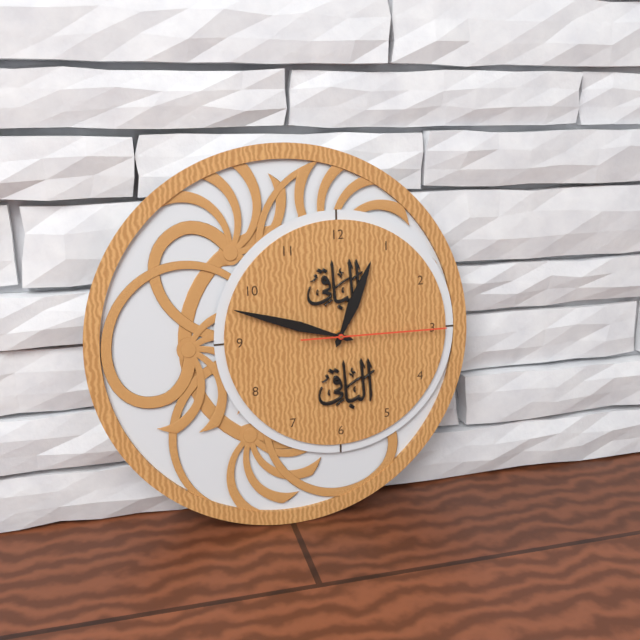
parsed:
12:48:15
